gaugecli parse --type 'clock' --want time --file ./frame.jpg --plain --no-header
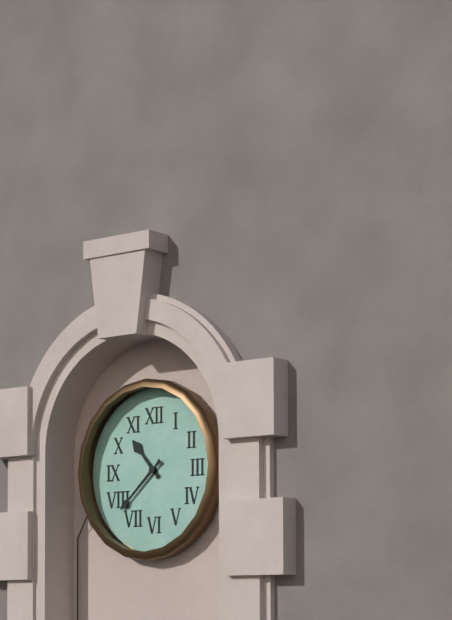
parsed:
10:38
